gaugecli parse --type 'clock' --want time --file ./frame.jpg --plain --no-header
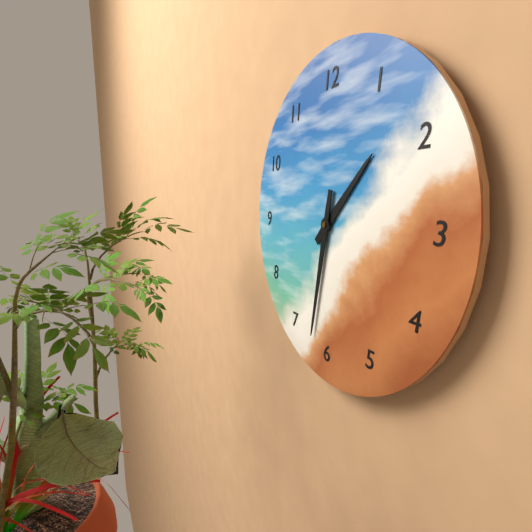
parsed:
1:32
